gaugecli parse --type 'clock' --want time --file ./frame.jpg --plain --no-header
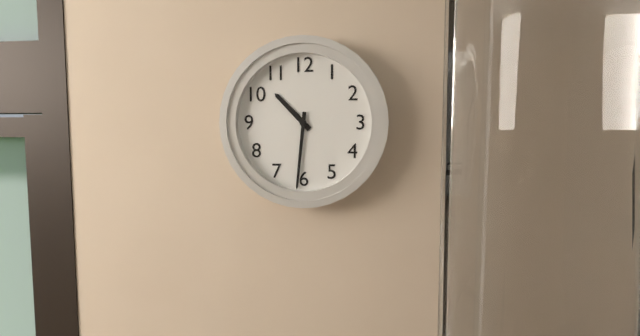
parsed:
10:31
